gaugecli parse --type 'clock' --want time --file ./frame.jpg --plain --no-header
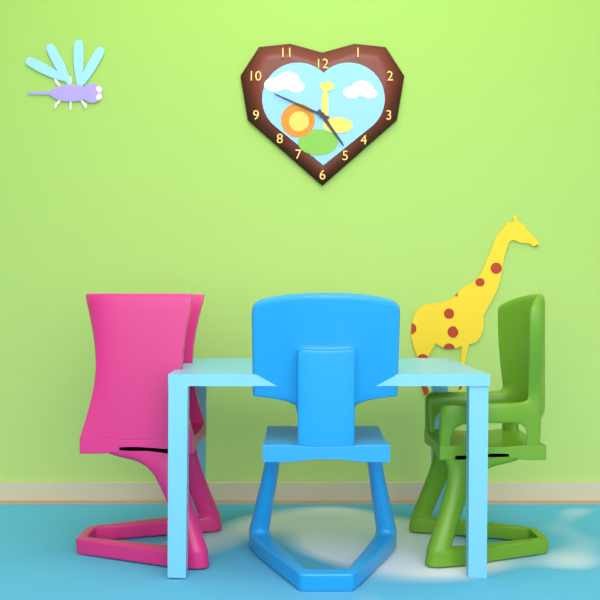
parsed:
4:49
